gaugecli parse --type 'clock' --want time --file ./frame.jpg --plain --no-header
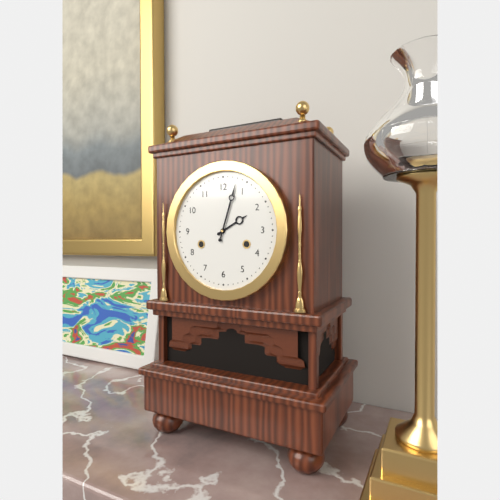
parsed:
2:03
